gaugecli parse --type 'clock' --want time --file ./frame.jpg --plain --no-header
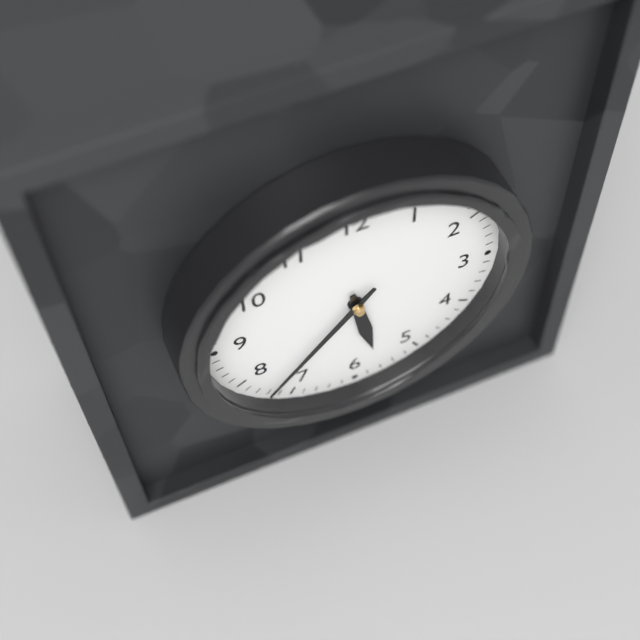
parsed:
5:37
